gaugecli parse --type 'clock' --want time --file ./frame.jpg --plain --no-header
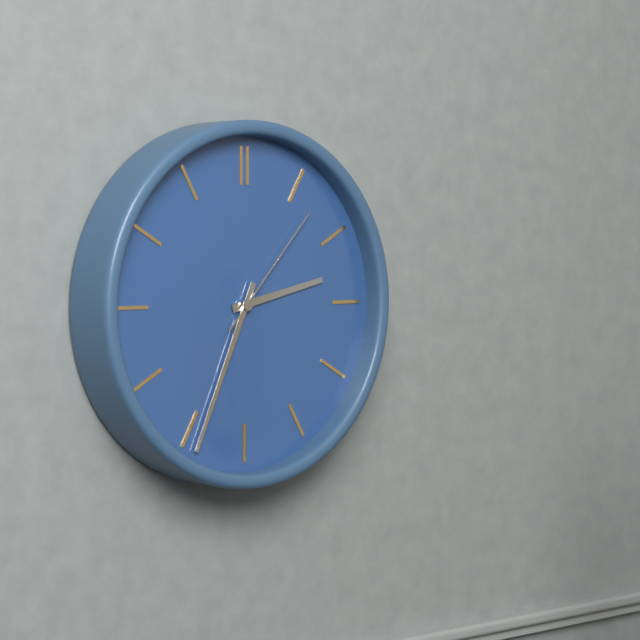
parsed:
2:34:07
